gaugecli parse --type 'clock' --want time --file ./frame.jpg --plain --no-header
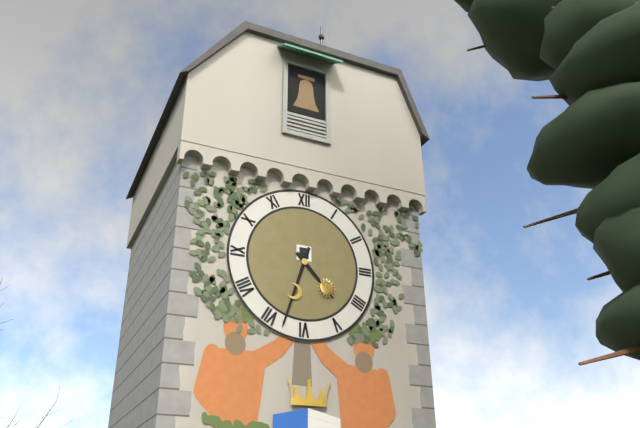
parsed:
4:33
